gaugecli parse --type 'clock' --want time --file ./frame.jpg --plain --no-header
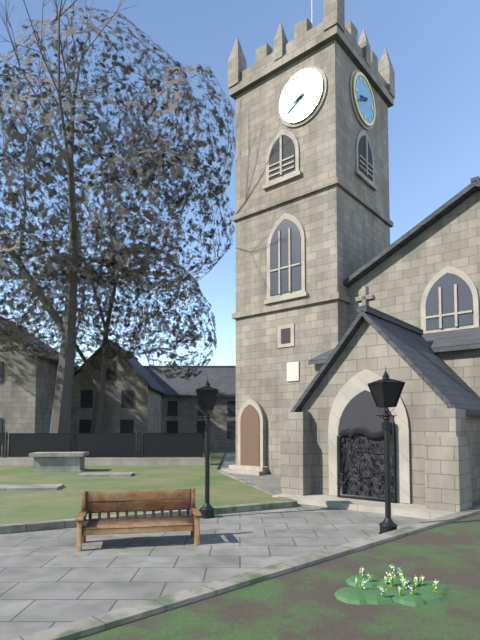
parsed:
8:40
